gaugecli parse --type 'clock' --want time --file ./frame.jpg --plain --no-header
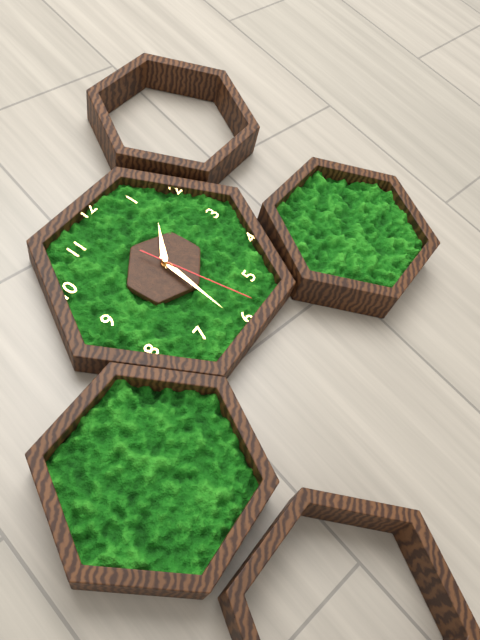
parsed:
1:31:28
